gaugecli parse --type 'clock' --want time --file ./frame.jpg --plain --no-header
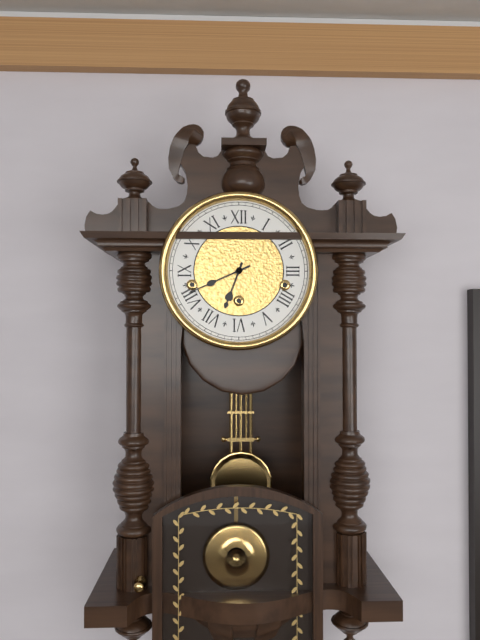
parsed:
6:41
